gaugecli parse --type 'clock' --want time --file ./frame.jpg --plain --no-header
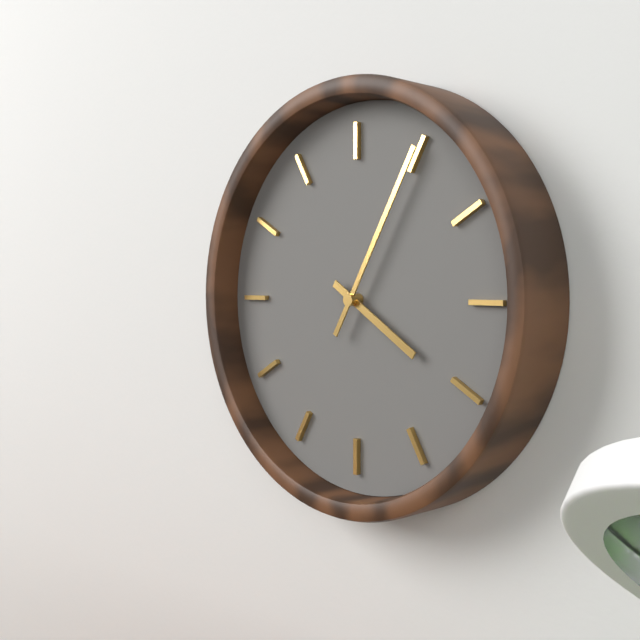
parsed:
4:05
